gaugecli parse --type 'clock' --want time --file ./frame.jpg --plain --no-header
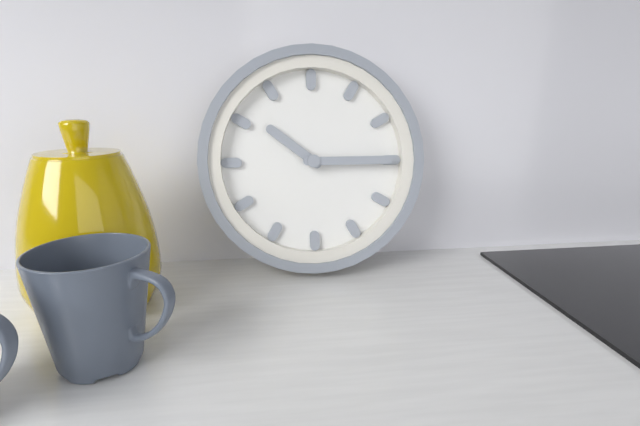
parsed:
10:15
